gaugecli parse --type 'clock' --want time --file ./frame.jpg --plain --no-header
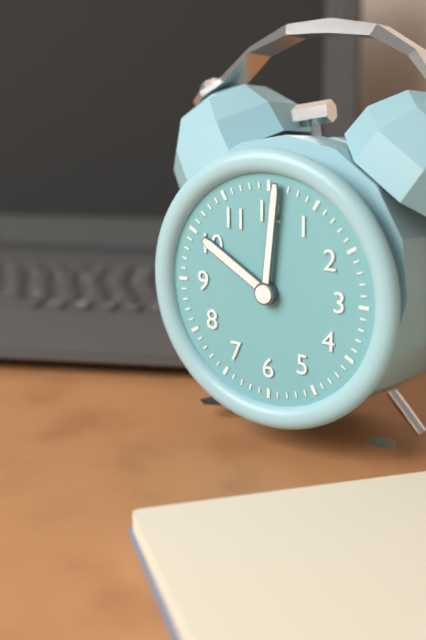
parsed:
10:01
